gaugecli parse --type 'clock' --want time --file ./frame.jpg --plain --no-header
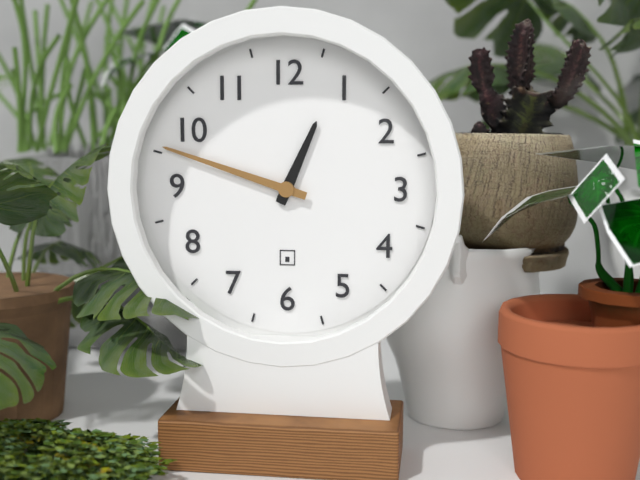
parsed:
12:48
